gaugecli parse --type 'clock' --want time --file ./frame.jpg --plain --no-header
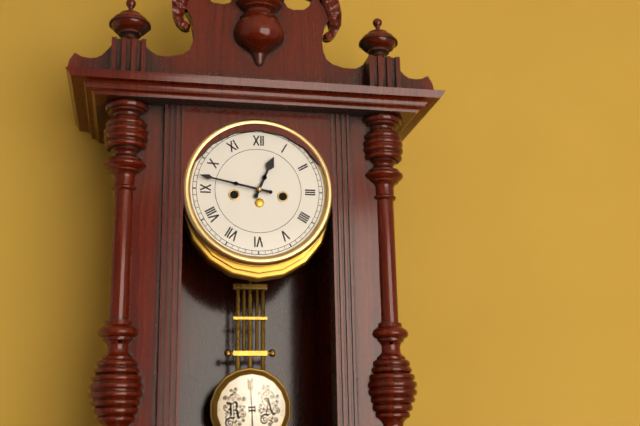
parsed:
12:47
